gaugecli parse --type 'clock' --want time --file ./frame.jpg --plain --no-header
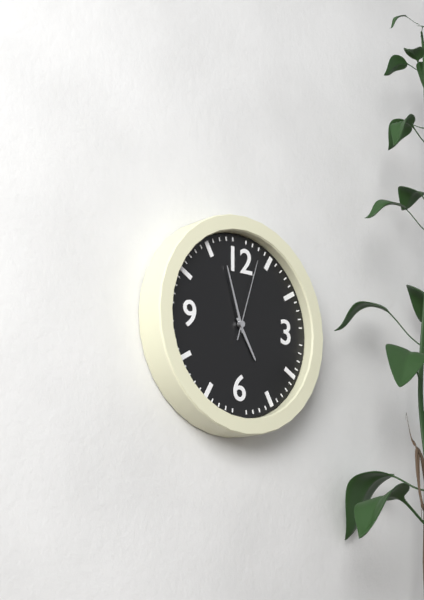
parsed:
4:57:03
